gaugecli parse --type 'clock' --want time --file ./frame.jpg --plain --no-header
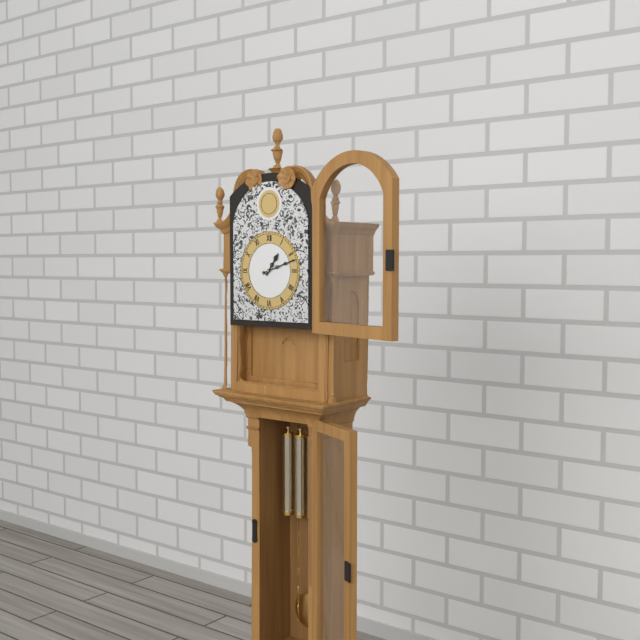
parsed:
1:12
